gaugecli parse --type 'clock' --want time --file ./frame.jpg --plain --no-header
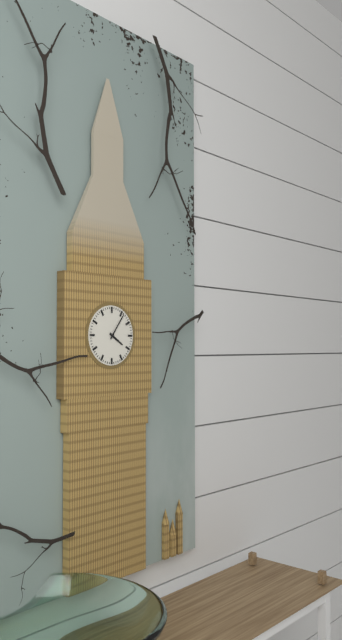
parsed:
4:06
